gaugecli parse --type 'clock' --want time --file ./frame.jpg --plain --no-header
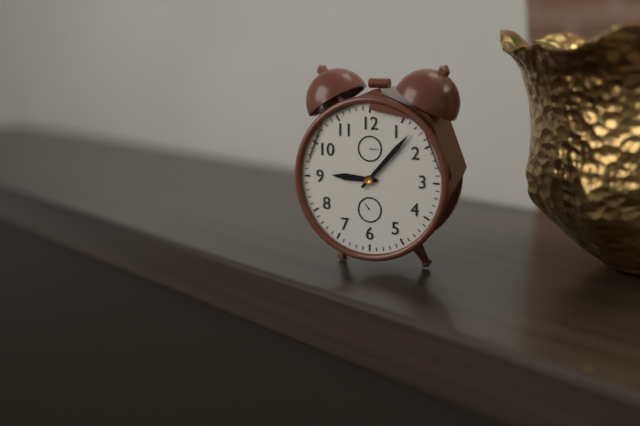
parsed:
9:07
